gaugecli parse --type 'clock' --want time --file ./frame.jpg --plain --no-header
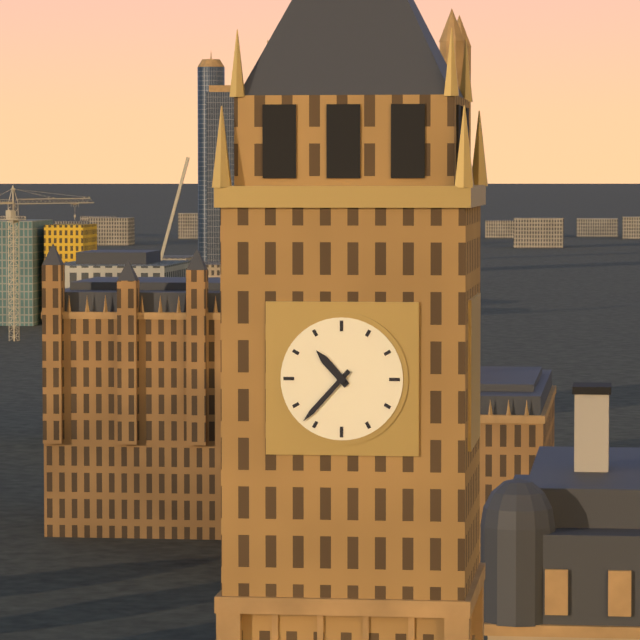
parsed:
10:37
